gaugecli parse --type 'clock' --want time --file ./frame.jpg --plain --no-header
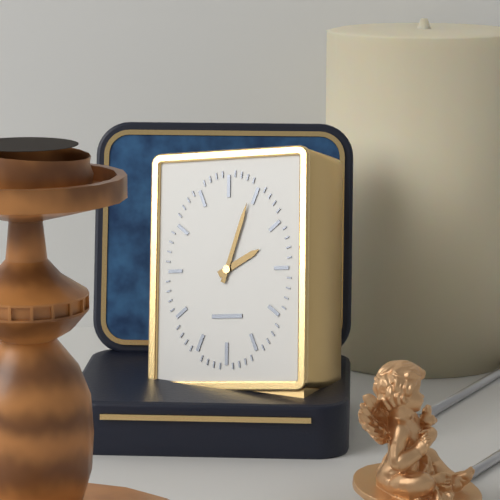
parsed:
2:03
